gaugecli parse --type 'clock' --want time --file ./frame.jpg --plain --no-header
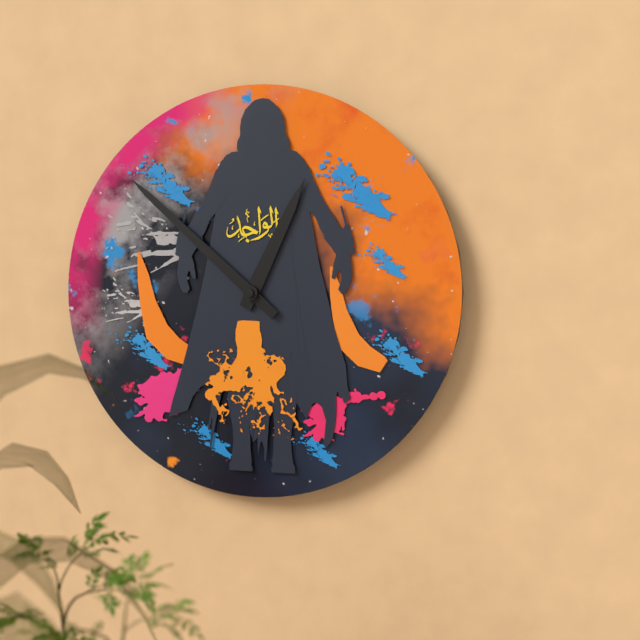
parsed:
12:52
